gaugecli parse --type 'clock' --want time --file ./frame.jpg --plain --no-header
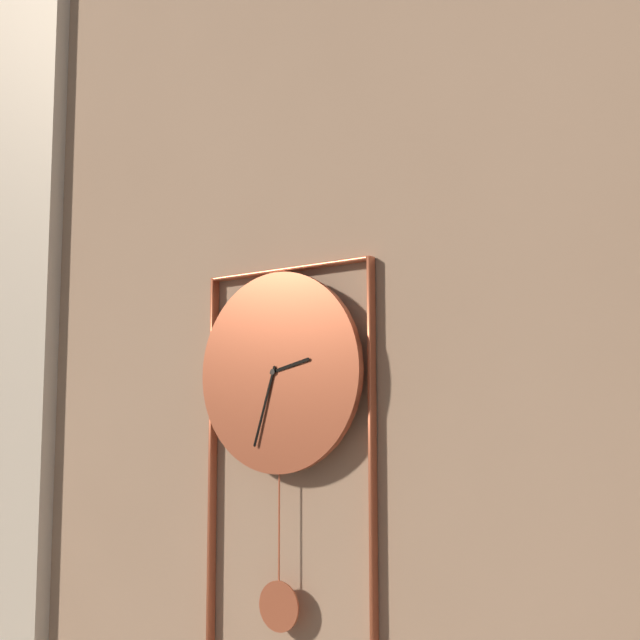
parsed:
2:33
